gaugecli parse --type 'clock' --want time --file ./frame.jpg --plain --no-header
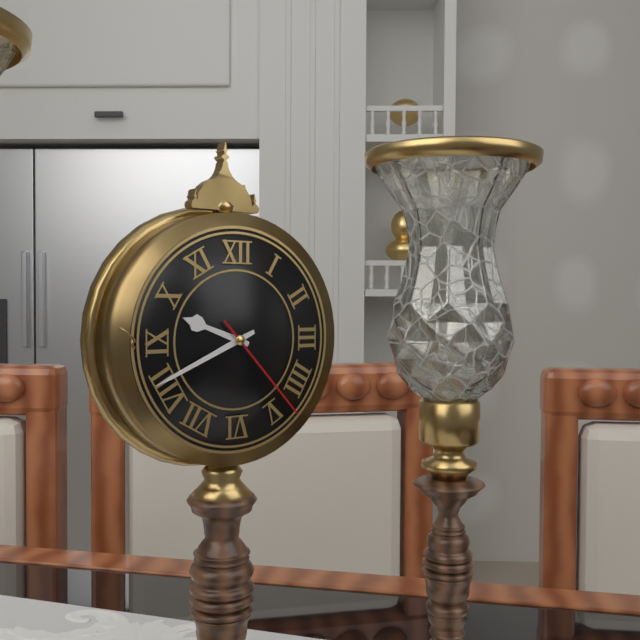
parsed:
9:41:23
